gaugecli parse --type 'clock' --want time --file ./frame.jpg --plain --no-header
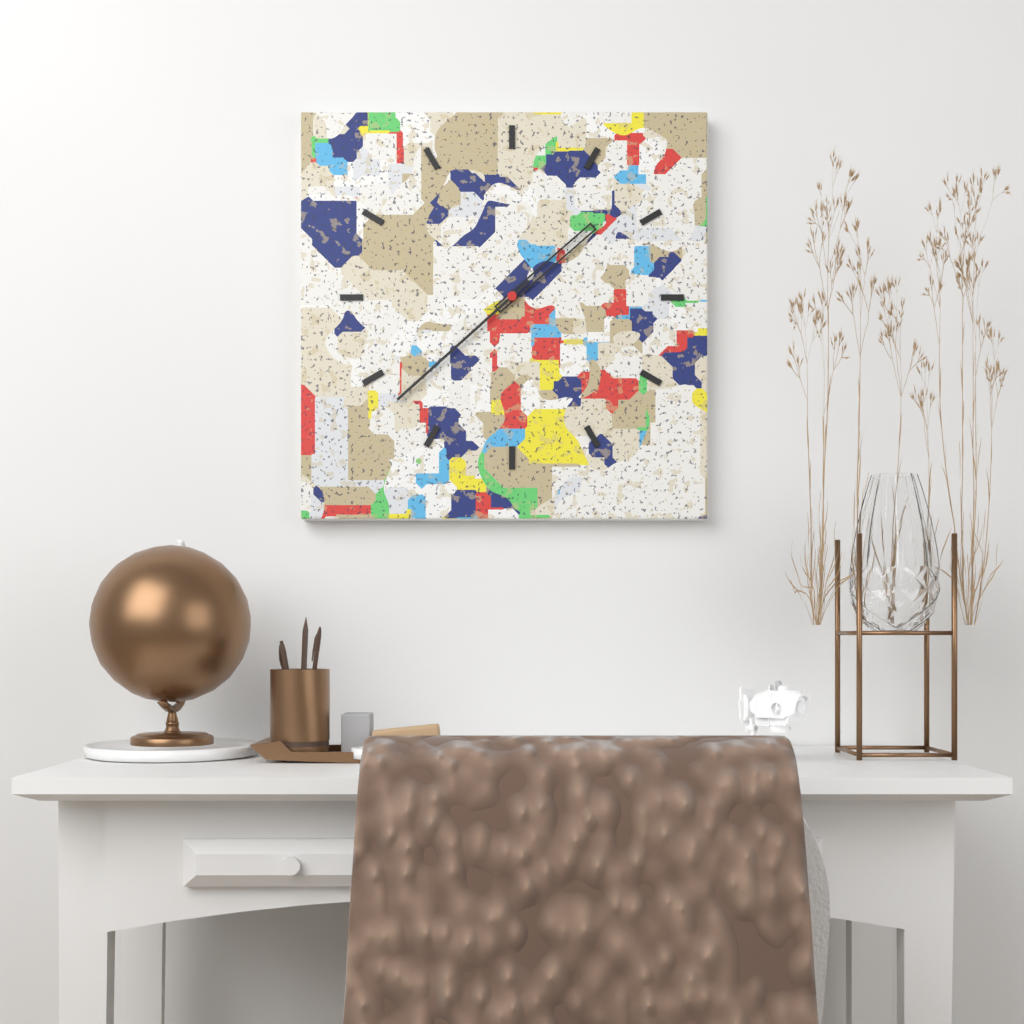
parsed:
1:38
